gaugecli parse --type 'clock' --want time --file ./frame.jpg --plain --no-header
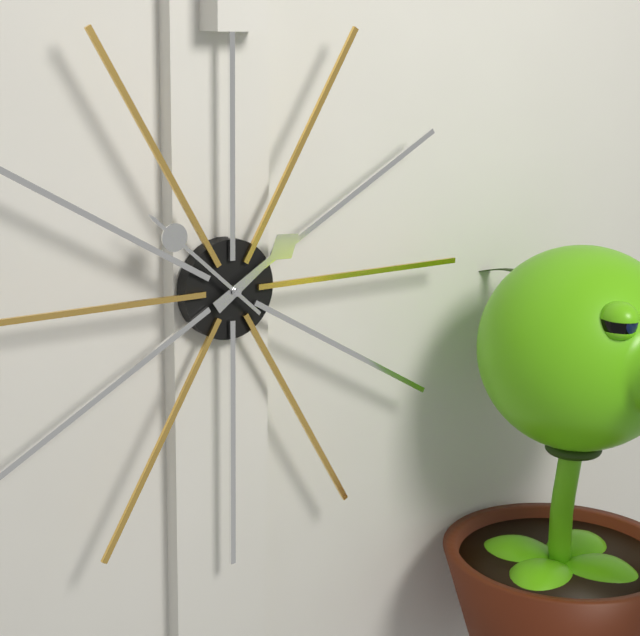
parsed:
1:52
